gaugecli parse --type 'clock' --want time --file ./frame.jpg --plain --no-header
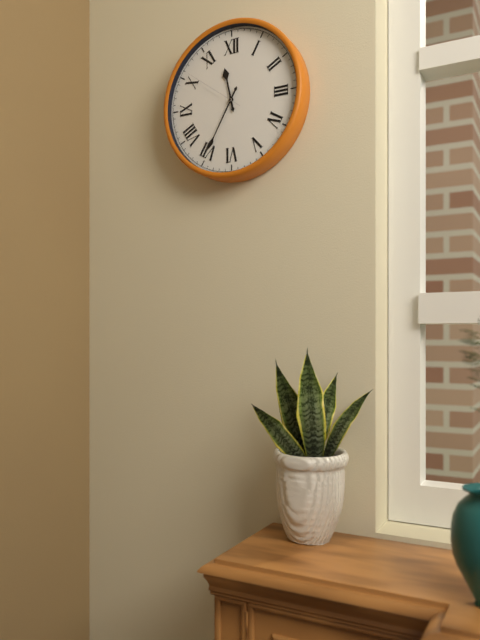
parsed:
11:35:51
